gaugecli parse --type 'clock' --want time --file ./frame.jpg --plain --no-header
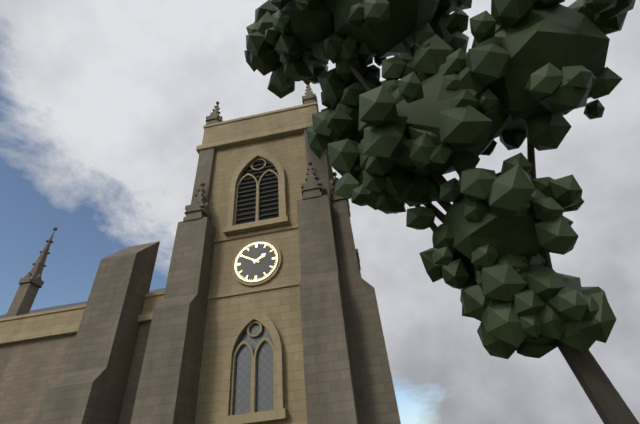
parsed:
1:50
